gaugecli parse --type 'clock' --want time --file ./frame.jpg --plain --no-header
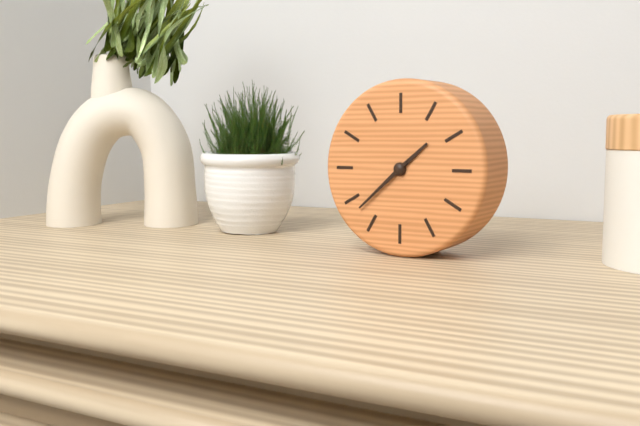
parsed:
1:38
